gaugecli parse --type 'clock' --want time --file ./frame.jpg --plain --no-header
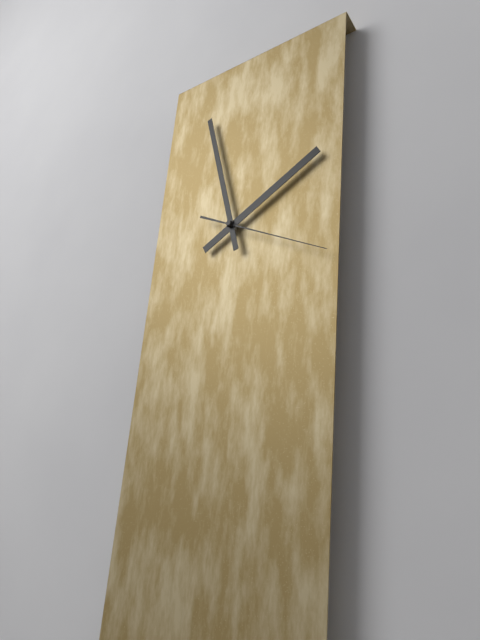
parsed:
1:57:19
